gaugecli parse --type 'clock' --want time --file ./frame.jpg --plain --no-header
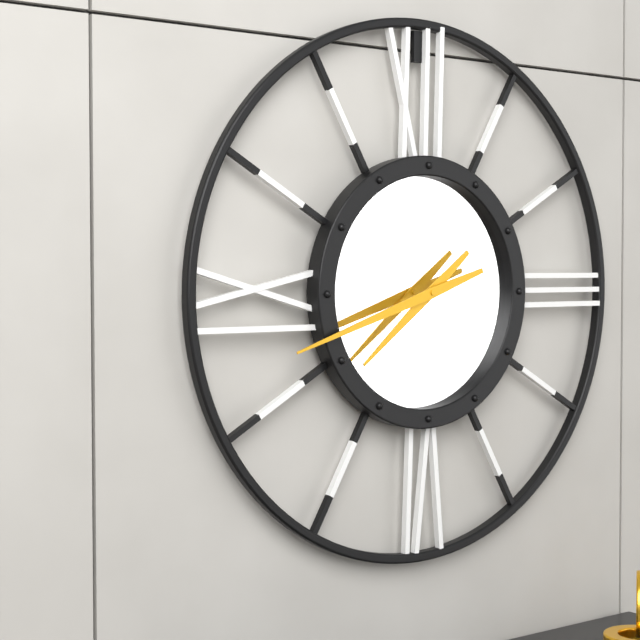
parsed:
7:42
